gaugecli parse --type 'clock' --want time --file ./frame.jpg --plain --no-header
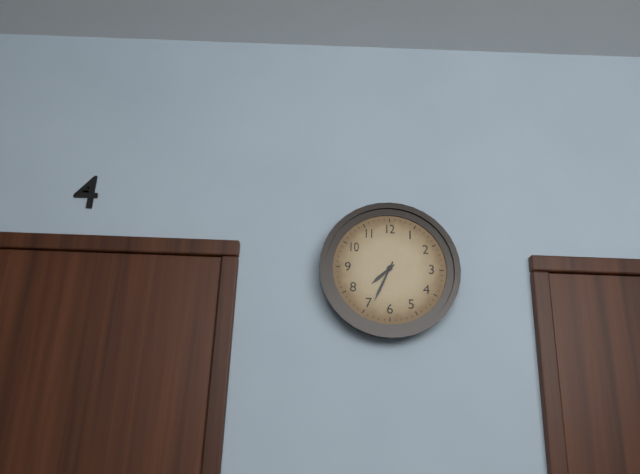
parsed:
7:34
